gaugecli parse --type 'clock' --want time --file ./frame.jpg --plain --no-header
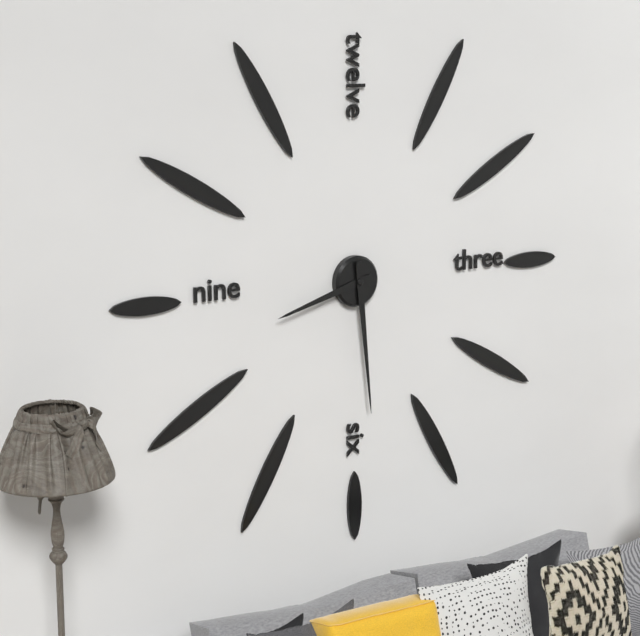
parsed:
8:29
